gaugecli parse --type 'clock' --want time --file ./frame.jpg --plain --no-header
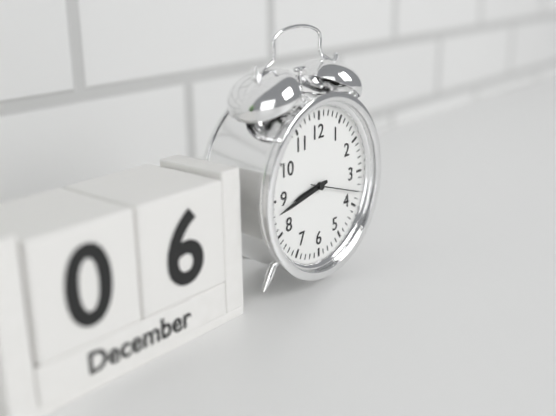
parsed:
8:43:18
